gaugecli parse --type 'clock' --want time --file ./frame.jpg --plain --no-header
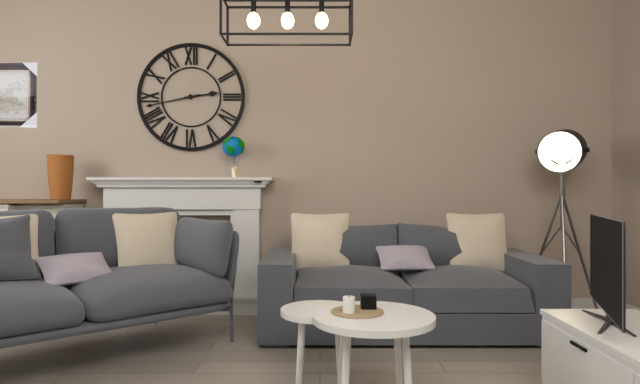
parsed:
2:43
